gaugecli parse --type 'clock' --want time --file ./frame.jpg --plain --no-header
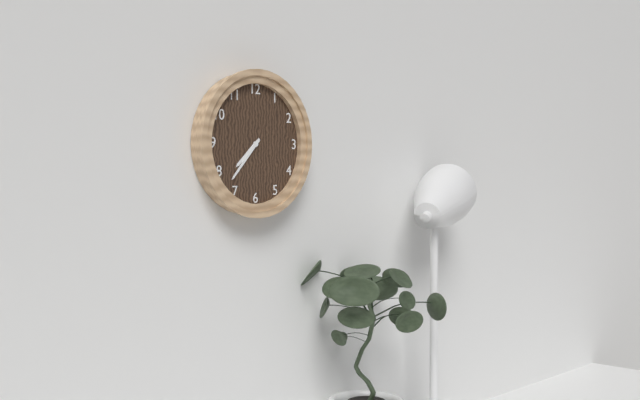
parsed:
7:37
